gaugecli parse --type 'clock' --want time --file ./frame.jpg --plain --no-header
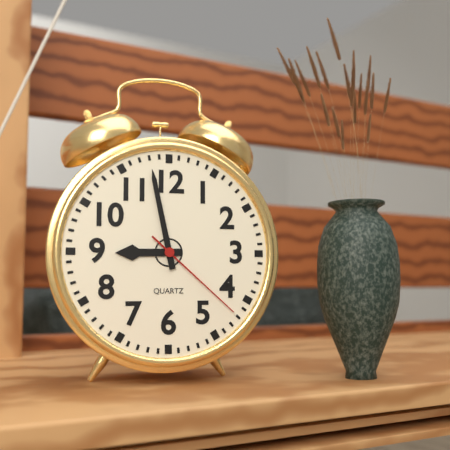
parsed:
8:58:22
